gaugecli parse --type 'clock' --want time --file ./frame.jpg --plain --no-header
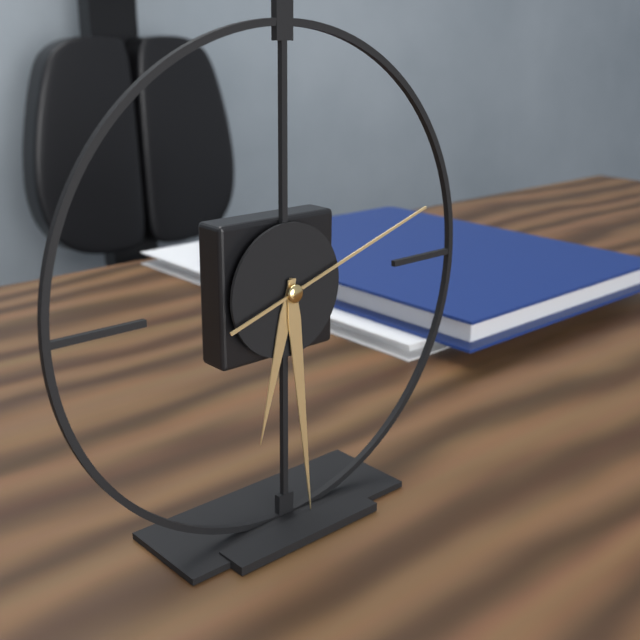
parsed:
6:29:12
